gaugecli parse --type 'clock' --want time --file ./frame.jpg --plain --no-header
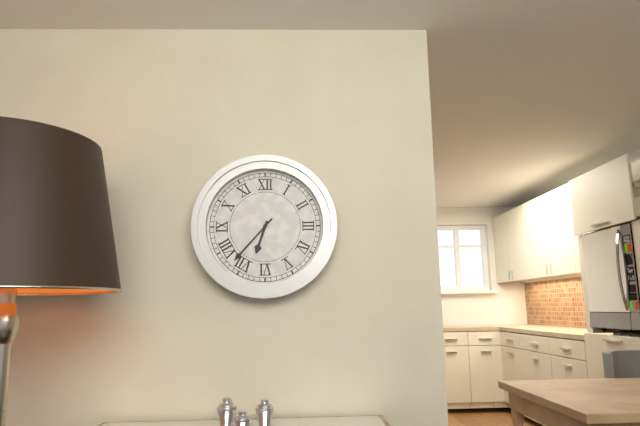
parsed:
6:37
